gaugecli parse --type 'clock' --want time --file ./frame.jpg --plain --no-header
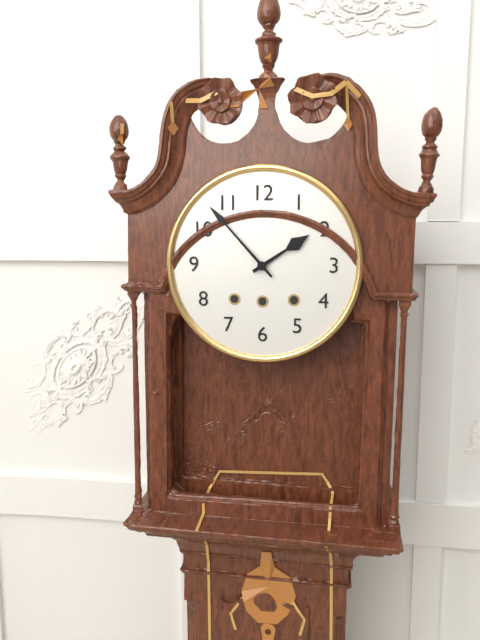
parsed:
1:53
